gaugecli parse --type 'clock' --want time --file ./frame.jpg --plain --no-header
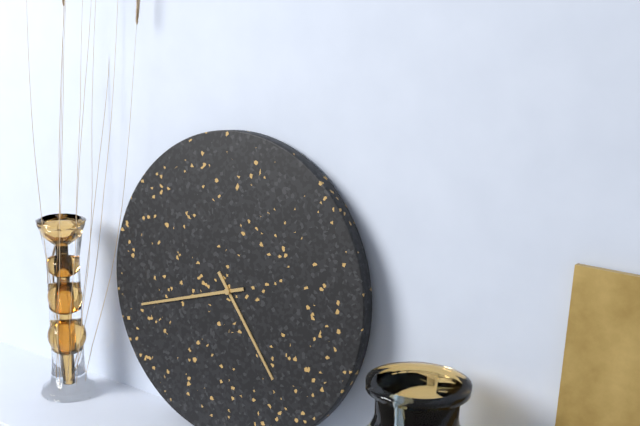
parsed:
4:42
